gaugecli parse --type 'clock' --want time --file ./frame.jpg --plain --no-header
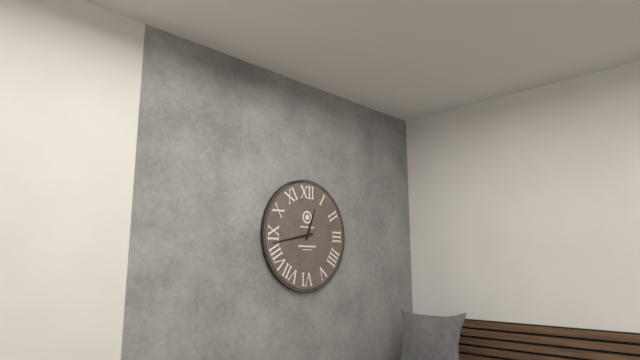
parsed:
12:43
